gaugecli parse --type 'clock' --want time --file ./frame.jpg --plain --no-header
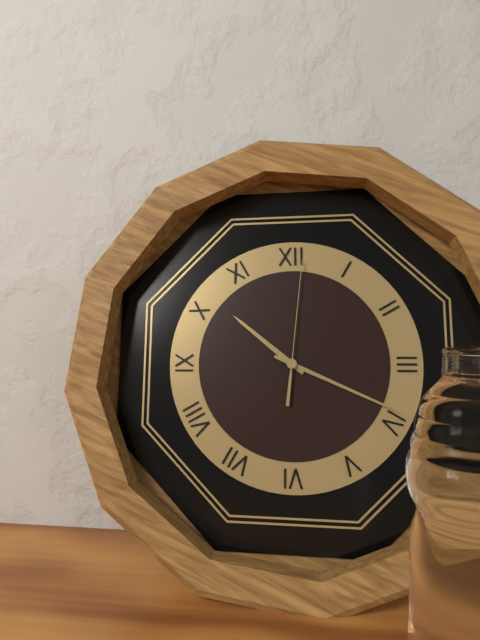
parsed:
10:19:01
